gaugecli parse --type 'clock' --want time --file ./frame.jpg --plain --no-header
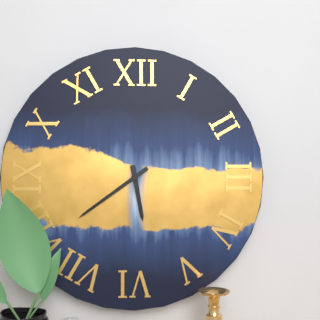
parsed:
5:39
